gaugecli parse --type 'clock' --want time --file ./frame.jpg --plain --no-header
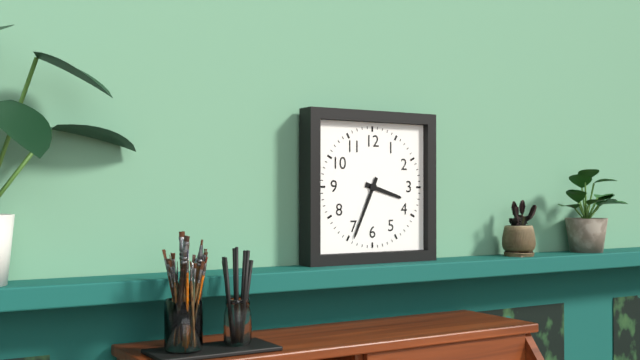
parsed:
3:34
